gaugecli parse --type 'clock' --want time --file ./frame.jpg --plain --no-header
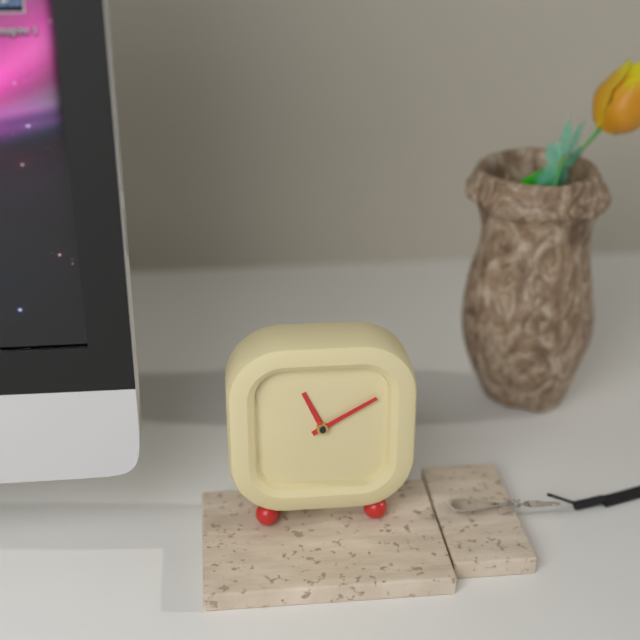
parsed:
11:10
